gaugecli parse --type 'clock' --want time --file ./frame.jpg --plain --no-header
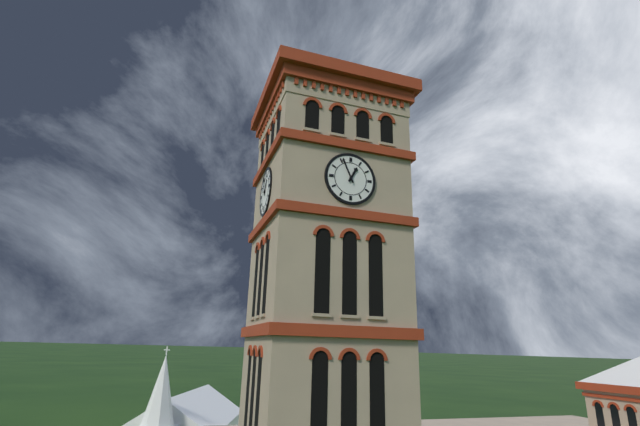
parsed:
12:56
